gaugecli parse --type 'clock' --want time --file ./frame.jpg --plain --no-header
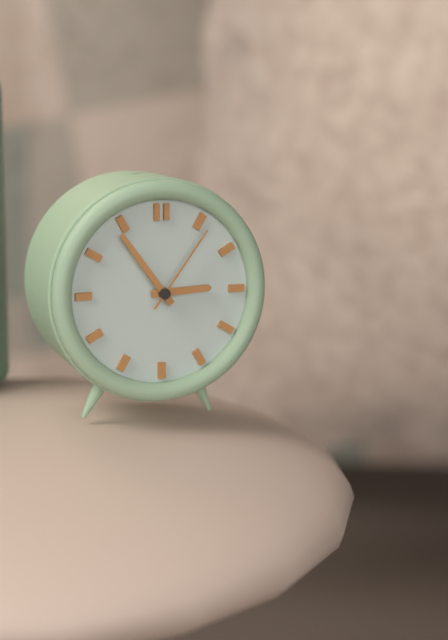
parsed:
2:54:06
